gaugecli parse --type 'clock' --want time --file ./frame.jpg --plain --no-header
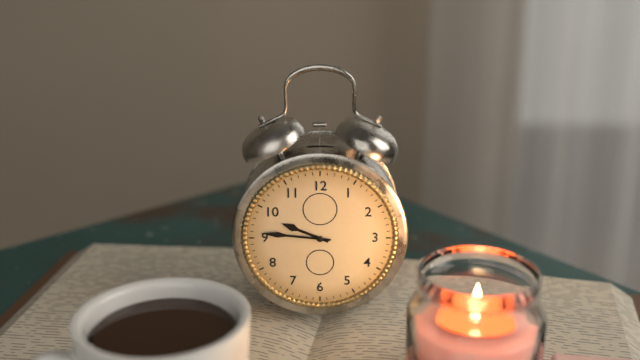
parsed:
9:46
